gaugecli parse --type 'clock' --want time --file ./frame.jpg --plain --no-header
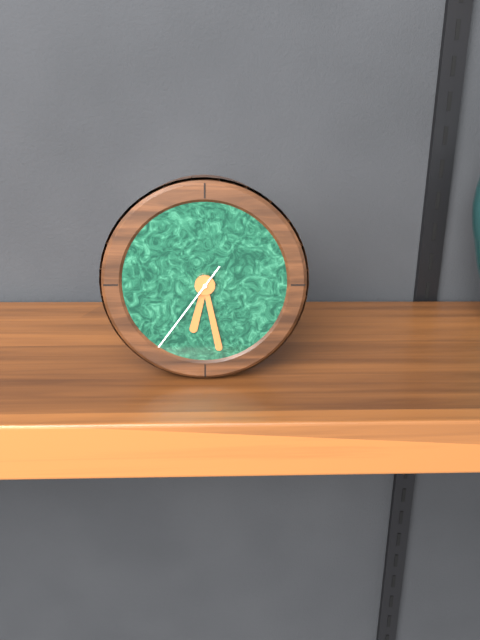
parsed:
6:28:36
